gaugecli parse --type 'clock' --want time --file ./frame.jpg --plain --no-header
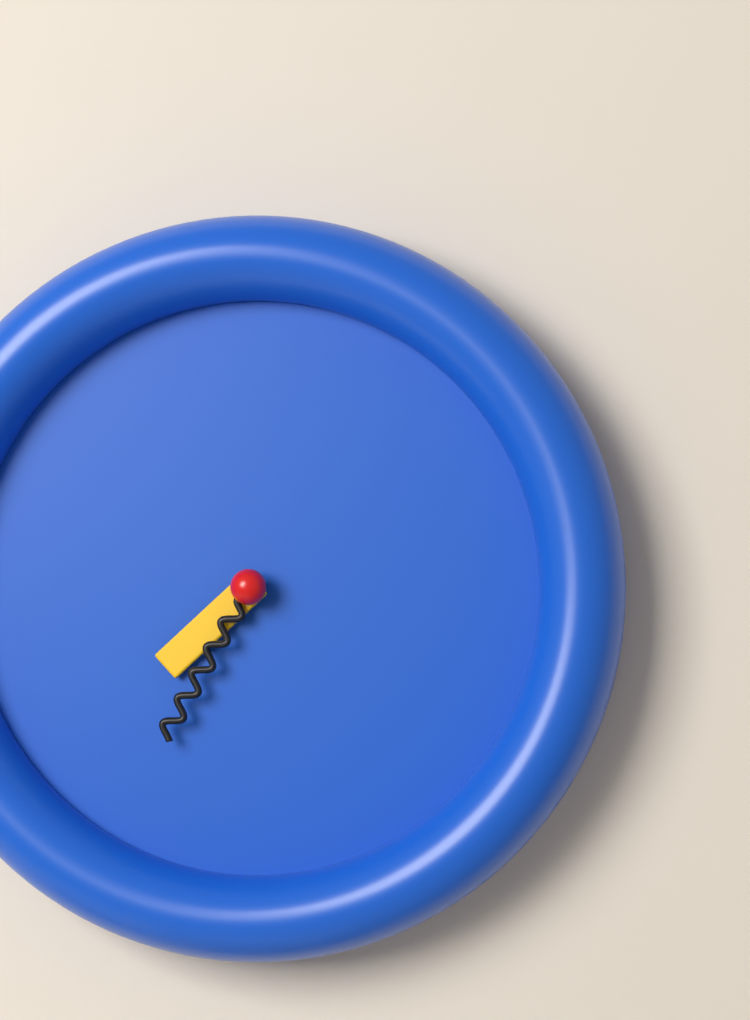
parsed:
7:35
